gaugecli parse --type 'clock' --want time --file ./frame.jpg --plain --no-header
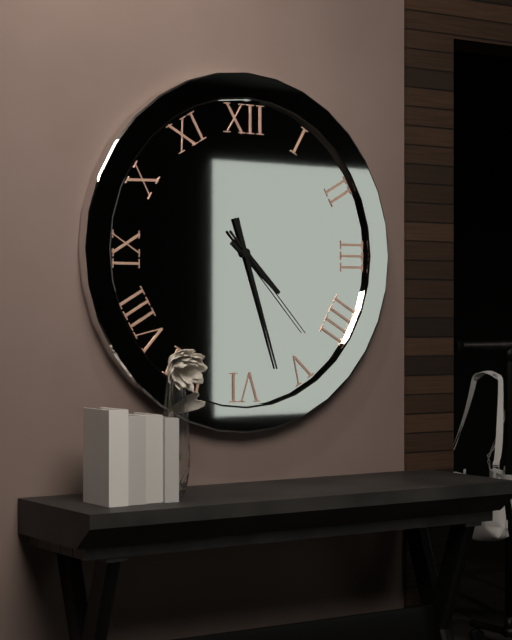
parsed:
4:27:23
